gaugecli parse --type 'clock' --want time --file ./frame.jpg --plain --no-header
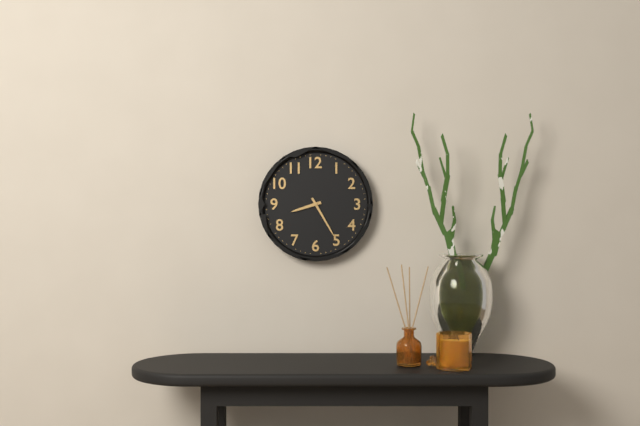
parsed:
8:25
